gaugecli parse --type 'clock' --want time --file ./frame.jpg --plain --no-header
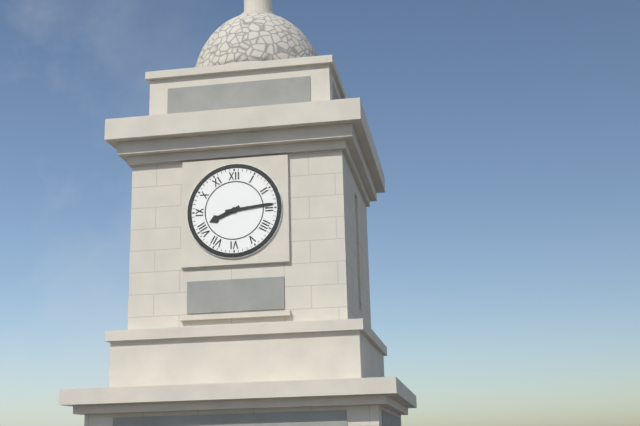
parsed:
8:14
